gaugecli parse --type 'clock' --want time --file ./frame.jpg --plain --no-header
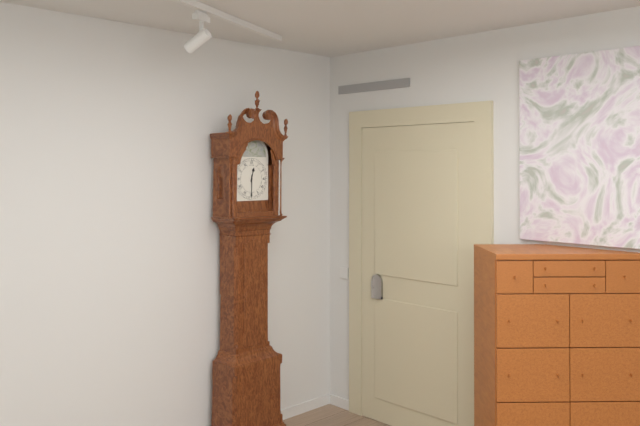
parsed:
12:30
